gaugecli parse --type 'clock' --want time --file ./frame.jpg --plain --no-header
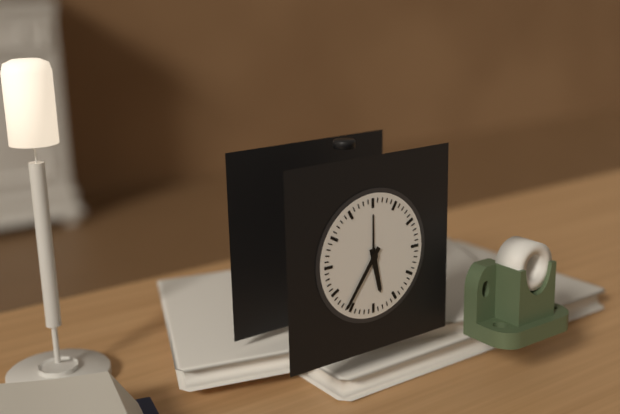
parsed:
5:36
